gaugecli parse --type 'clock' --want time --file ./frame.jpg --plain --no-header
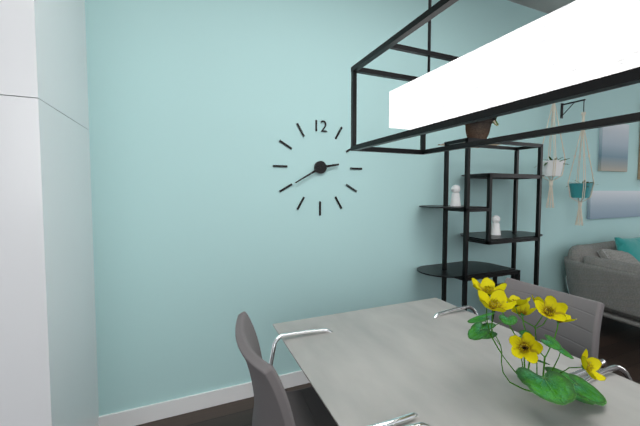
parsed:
2:40
